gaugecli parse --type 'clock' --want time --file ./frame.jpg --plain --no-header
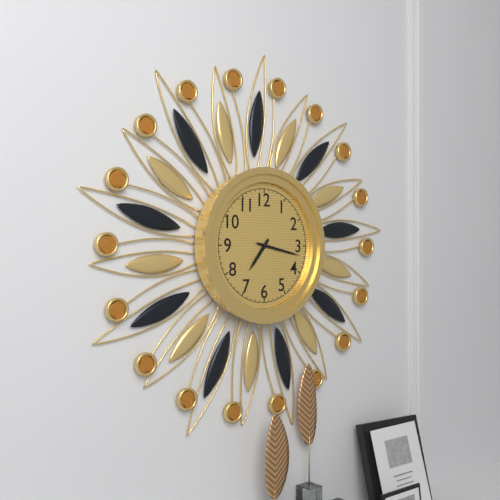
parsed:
7:17
